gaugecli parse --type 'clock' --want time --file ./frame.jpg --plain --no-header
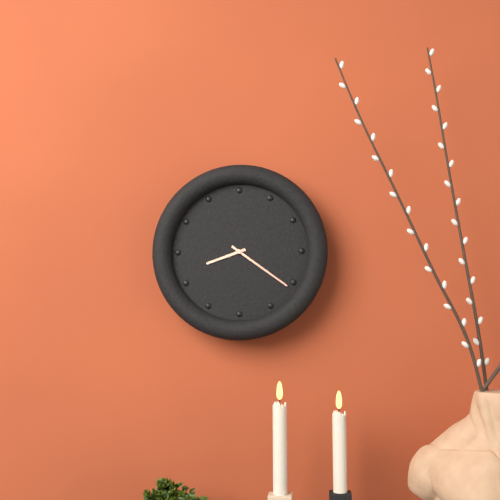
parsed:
8:21
